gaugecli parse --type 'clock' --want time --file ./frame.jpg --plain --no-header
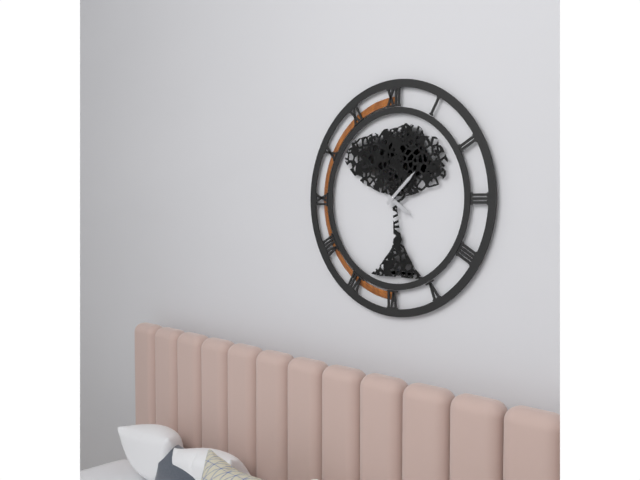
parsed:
4:08
